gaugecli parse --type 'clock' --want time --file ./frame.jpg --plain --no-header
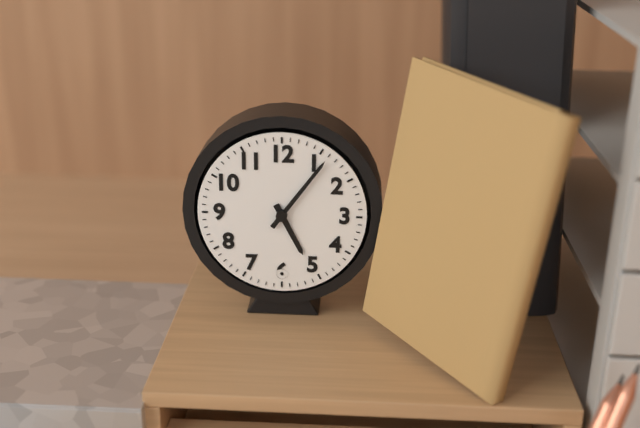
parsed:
5:06
